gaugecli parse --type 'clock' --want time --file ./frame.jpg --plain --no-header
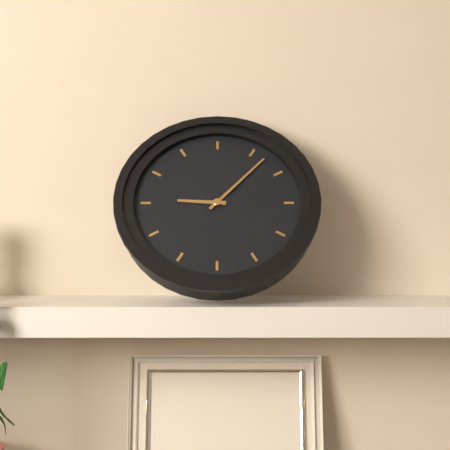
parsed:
9:07
